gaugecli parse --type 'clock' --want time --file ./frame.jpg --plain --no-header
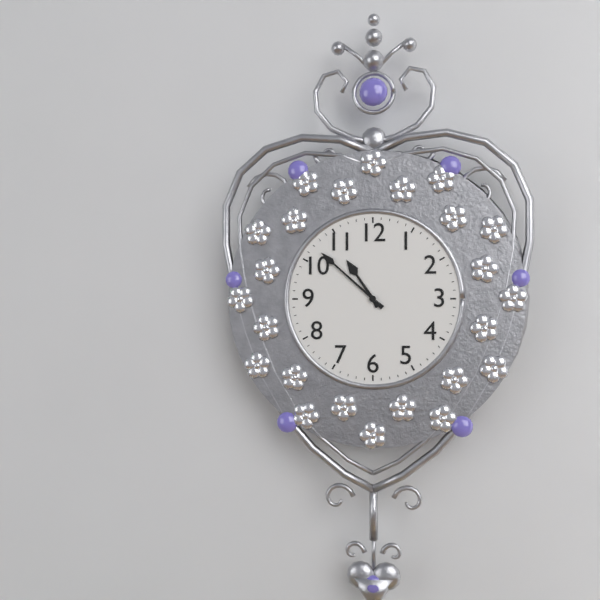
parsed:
10:52
